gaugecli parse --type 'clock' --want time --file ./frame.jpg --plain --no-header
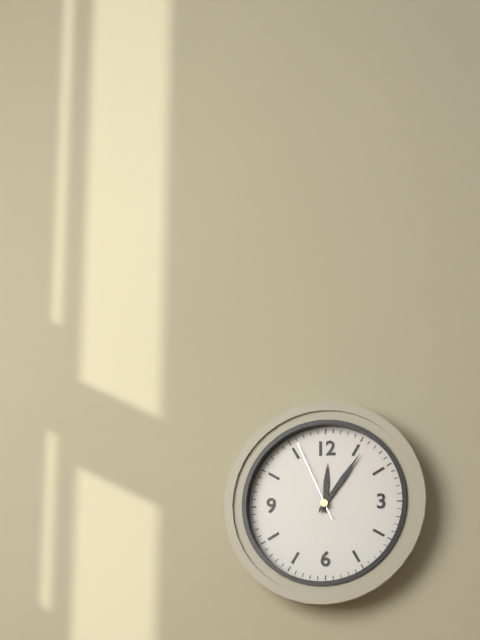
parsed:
12:06:56
